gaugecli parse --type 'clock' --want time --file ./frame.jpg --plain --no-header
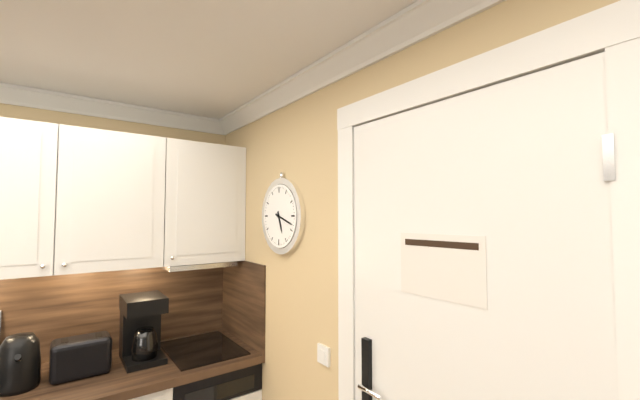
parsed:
5:18
